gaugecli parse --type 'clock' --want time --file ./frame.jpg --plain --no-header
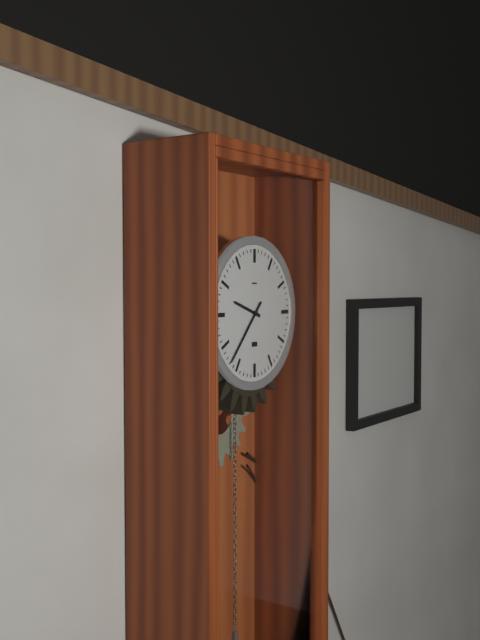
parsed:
9:37
